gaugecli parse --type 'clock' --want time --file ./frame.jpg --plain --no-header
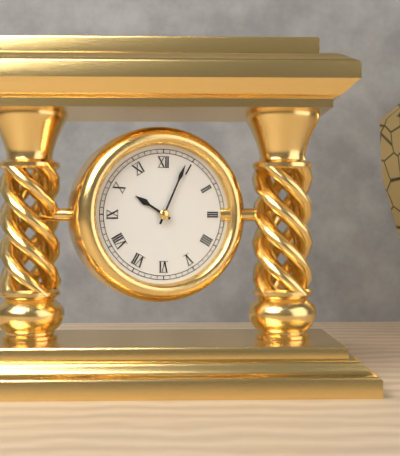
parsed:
10:04
